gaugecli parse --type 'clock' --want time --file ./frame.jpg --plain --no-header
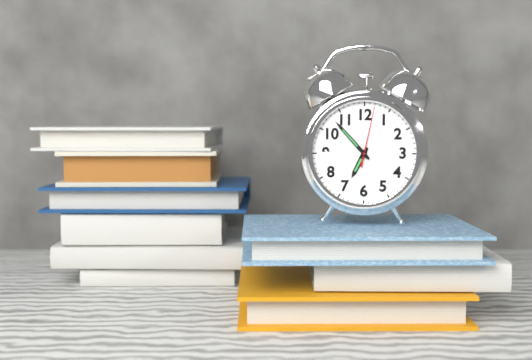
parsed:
6:53:02
